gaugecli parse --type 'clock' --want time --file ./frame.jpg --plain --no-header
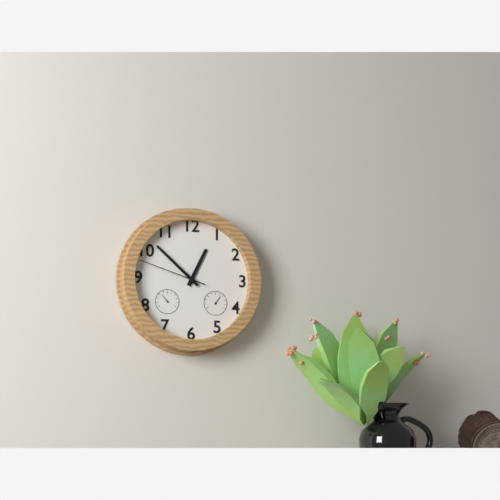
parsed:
12:52:48
